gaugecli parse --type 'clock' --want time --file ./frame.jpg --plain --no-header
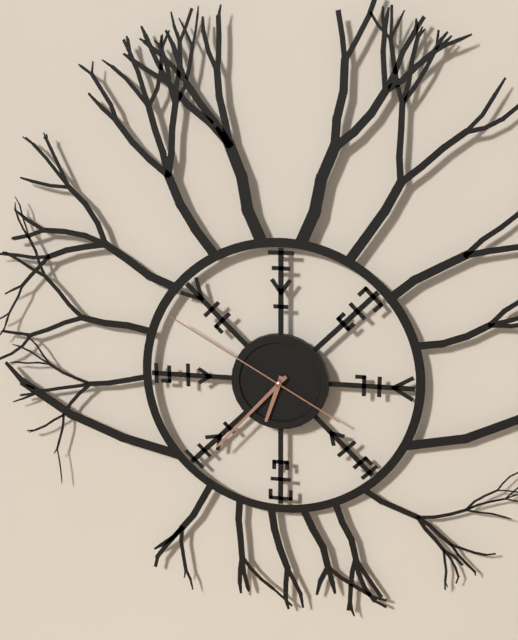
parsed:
6:37:50
